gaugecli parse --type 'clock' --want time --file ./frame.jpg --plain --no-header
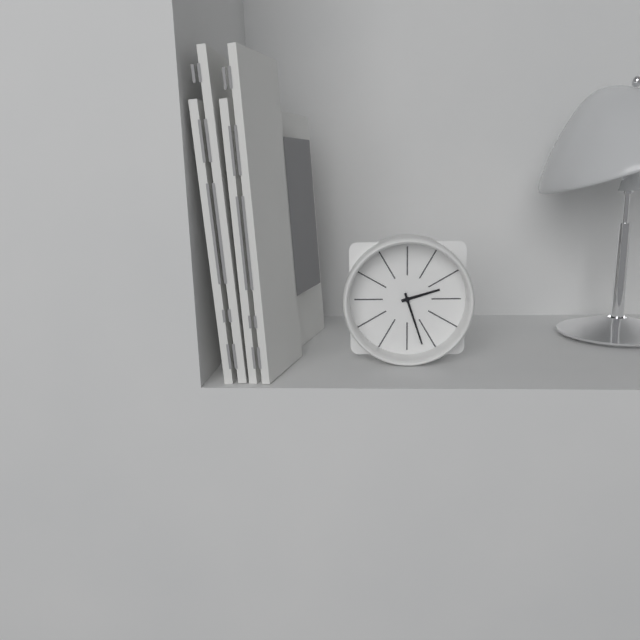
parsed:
2:27
